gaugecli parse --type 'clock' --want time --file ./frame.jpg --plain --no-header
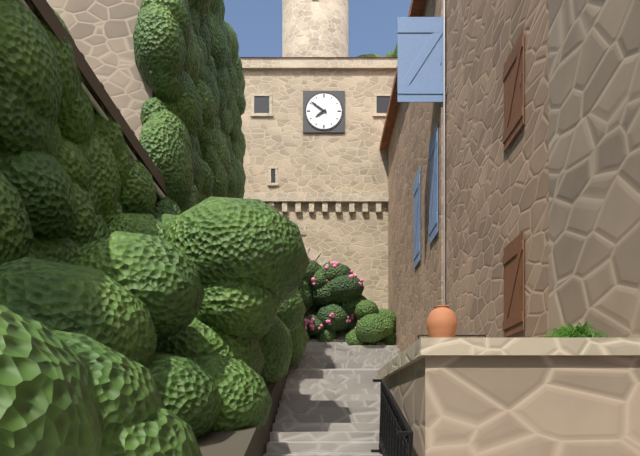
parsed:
7:51
